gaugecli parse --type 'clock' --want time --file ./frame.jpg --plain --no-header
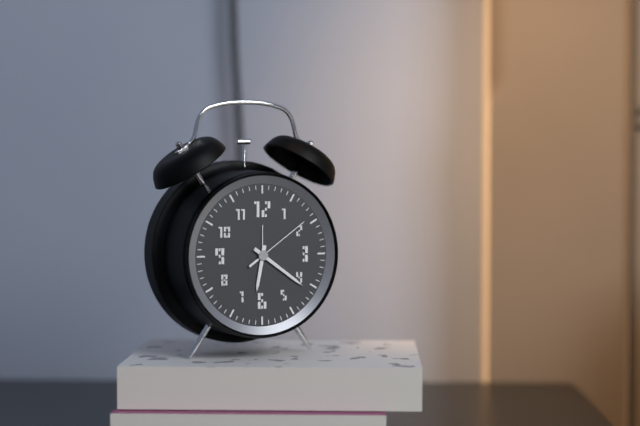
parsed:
6:21:09
